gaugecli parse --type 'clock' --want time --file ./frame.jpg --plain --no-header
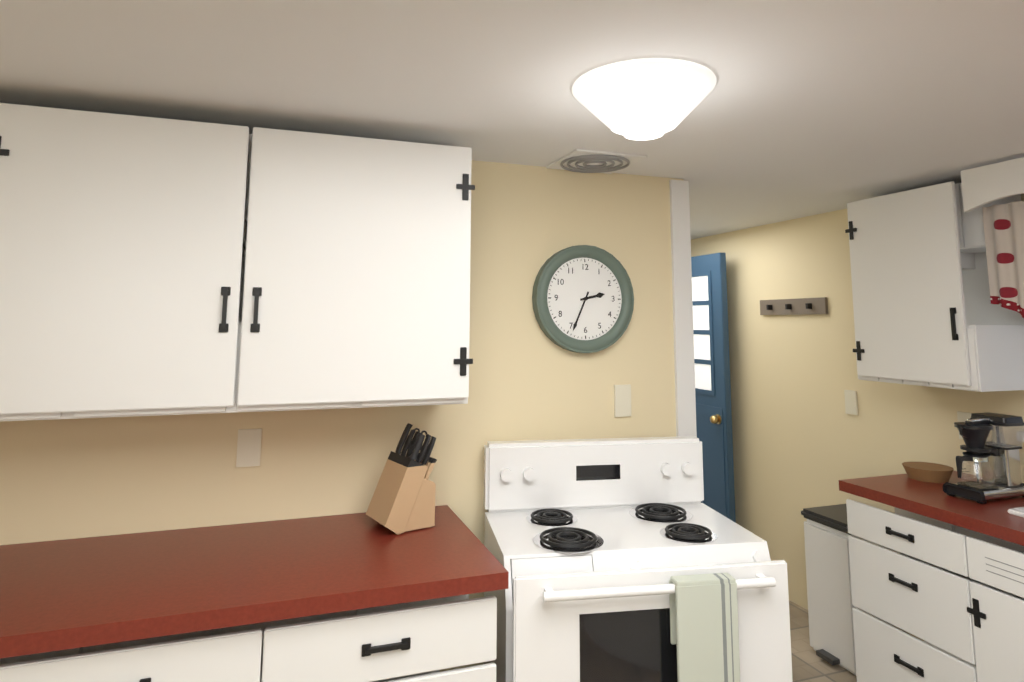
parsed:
2:34
